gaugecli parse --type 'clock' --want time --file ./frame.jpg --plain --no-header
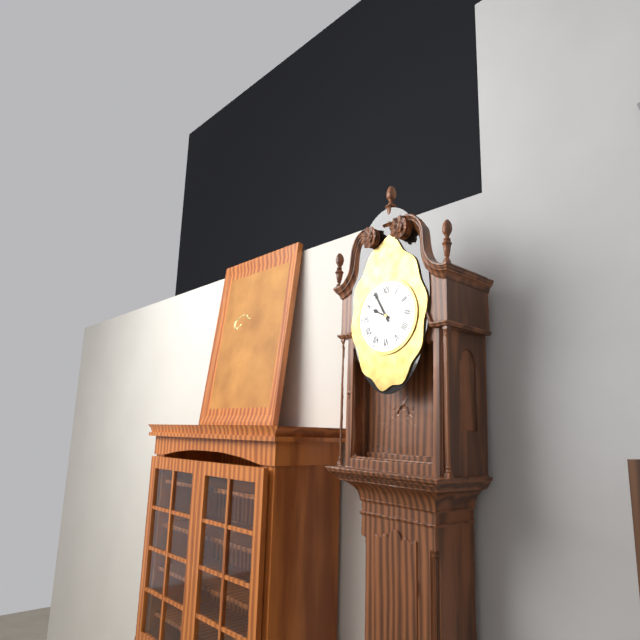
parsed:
9:55
